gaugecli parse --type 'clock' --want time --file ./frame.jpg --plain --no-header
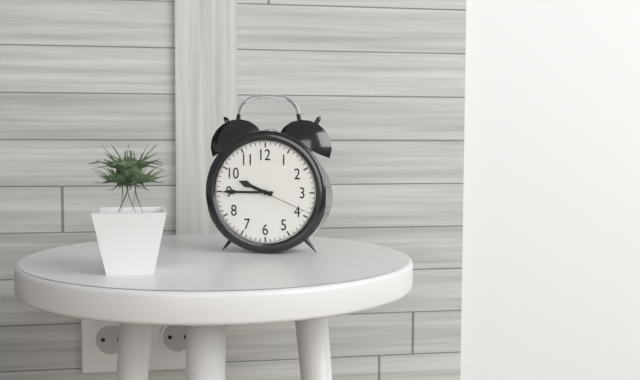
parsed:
9:45:19
